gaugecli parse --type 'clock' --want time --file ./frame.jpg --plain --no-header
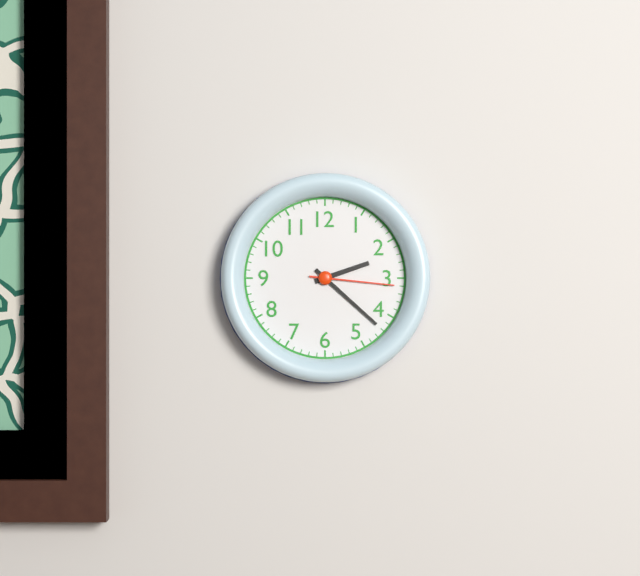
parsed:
2:22:16
